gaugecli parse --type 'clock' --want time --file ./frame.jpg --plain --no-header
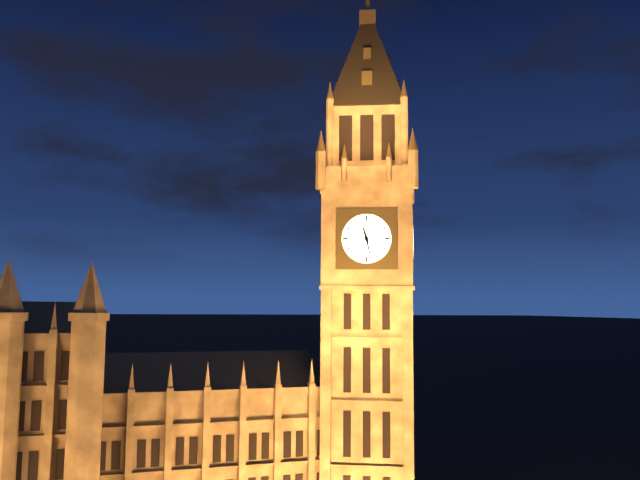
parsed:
11:28
